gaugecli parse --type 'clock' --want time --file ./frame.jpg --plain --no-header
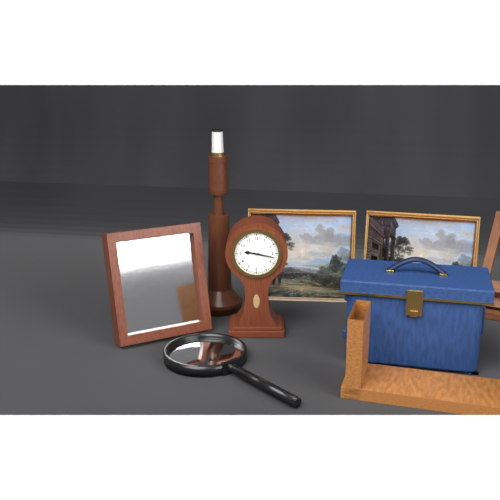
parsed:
9:17
